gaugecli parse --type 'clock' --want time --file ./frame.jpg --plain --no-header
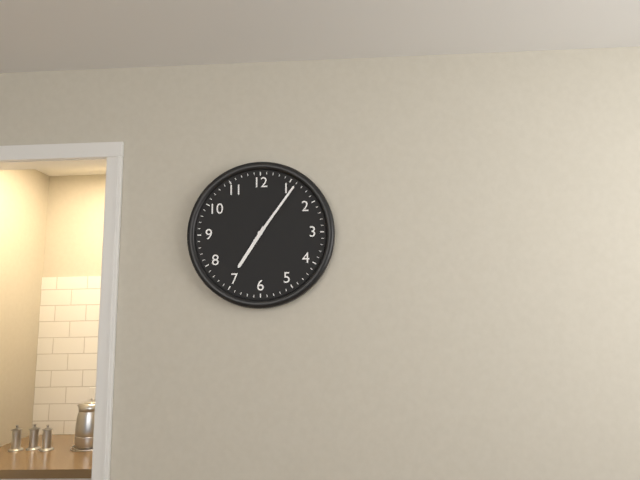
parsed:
7:06
